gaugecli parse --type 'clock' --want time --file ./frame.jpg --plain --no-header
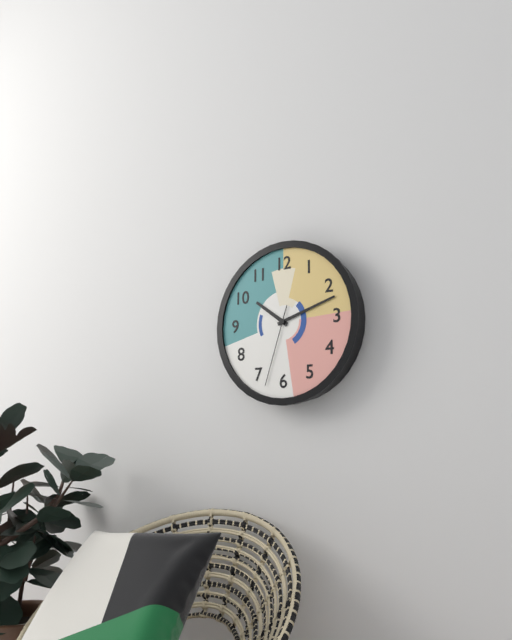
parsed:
10:12:33
